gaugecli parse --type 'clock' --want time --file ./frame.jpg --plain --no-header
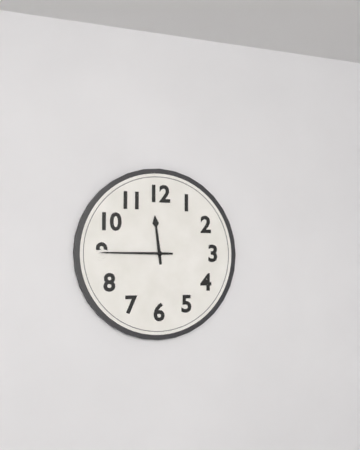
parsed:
11:45
